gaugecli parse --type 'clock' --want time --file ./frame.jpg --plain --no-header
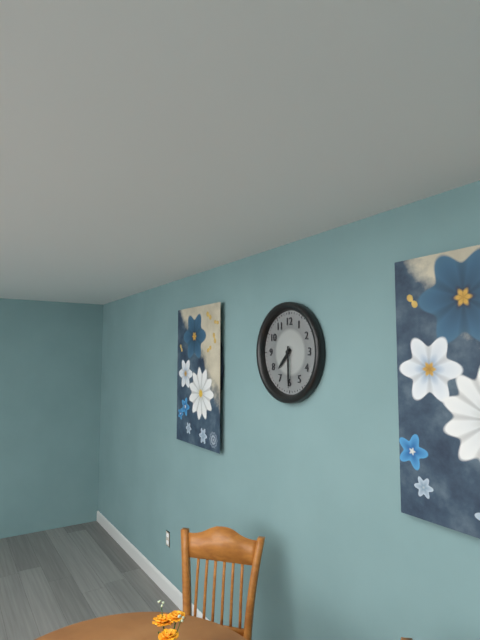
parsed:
7:30
